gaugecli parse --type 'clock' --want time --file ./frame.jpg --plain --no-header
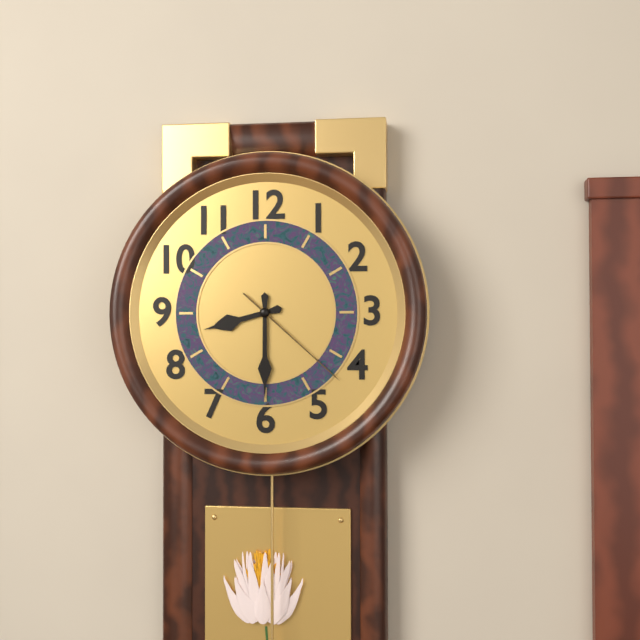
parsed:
8:30:22
